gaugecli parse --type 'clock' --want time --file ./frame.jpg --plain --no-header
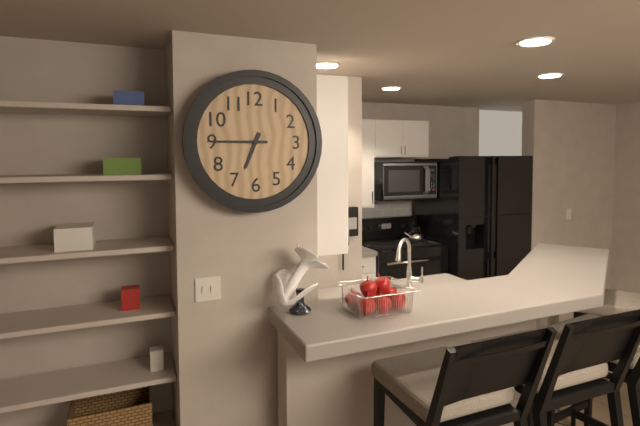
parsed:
6:45
